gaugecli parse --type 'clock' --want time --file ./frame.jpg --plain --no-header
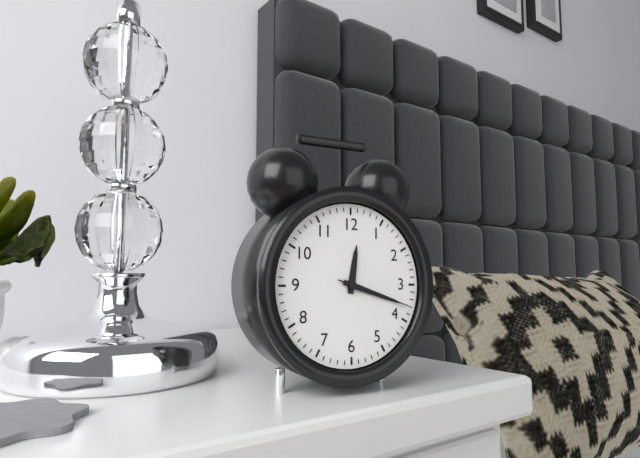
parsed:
12:18:18
